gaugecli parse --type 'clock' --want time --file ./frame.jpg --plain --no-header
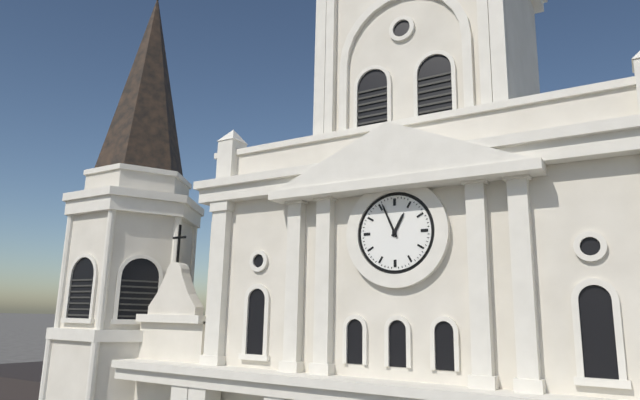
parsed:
12:56
